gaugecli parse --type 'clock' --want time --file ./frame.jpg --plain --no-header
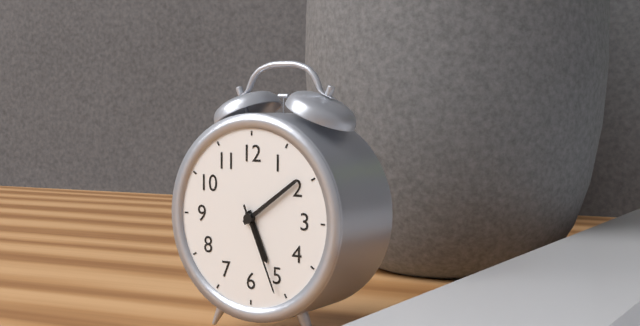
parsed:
5:09:26
